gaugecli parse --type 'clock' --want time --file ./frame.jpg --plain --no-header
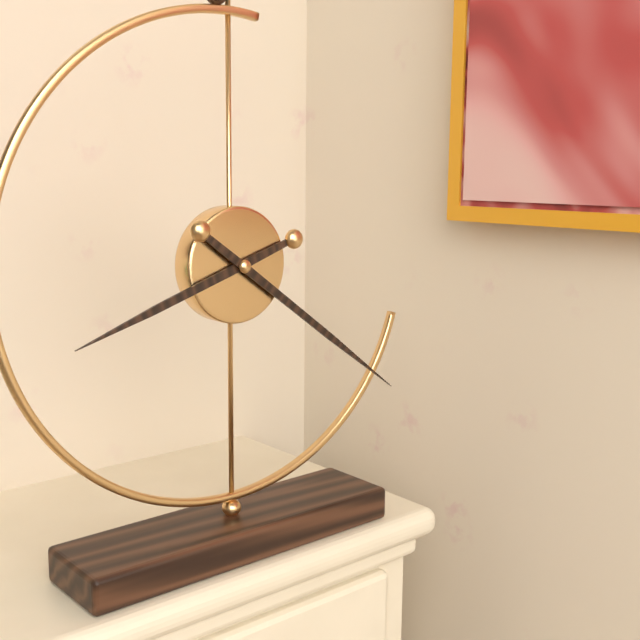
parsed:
8:21
